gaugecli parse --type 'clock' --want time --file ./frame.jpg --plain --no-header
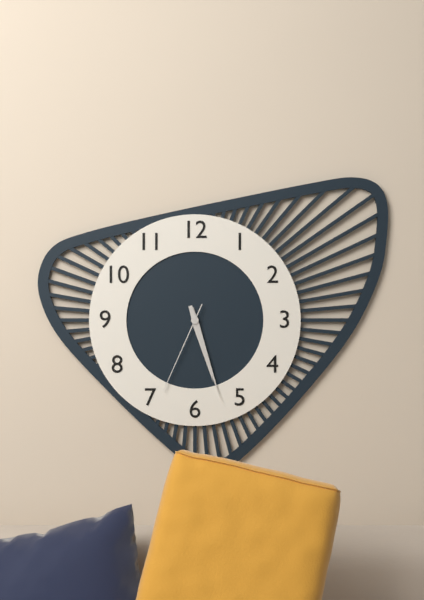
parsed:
5:27:34
